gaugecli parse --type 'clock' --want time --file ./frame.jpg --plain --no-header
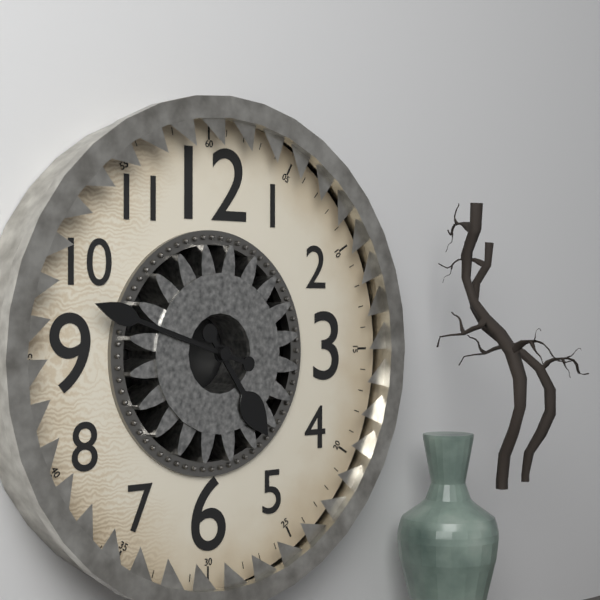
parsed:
4:48
